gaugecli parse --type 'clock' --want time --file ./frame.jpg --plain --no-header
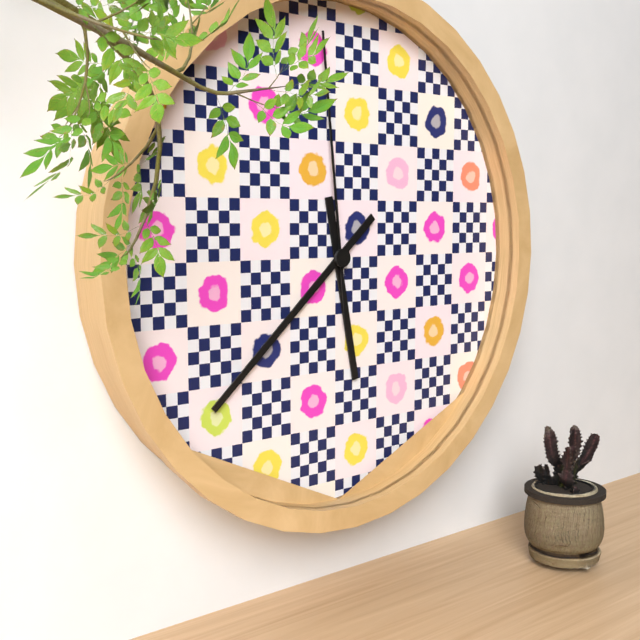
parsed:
5:38:59
